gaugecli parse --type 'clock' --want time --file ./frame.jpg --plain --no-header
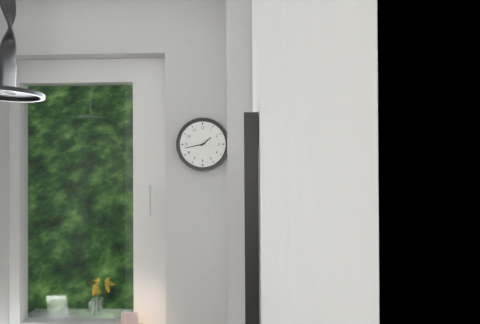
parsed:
1:43
